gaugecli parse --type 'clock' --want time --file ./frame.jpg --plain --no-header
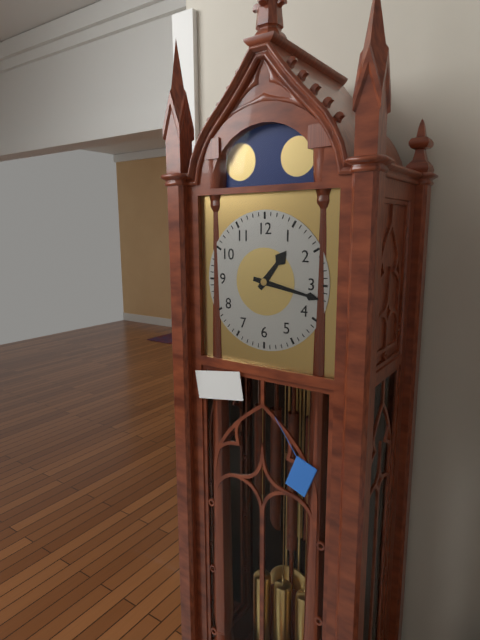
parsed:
1:17
